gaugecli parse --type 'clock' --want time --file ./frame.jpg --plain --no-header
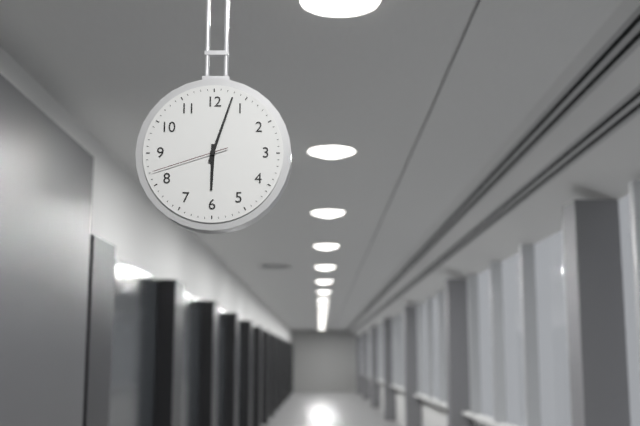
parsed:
6:03:42
